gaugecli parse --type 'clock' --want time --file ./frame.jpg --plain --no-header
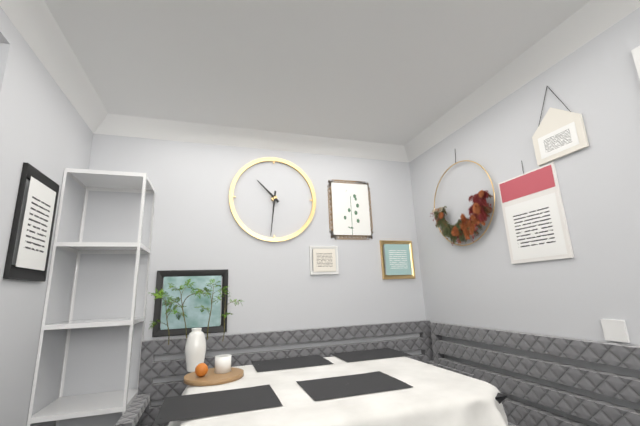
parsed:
10:31
